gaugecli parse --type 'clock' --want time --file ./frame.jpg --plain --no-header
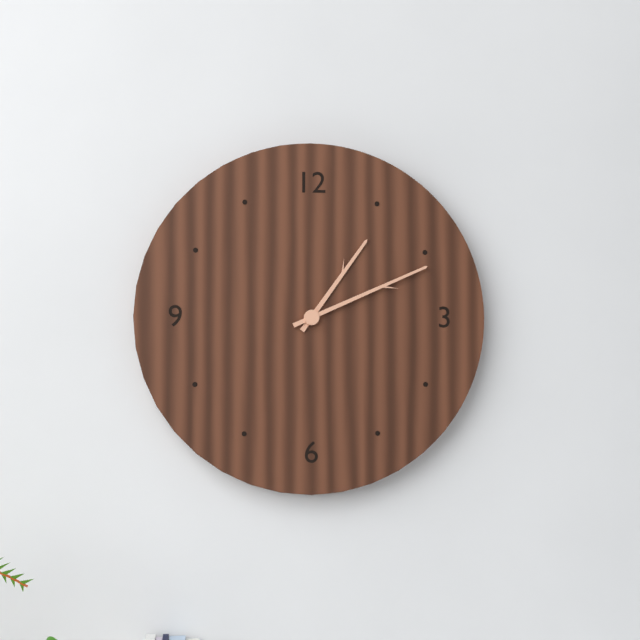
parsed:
1:11
